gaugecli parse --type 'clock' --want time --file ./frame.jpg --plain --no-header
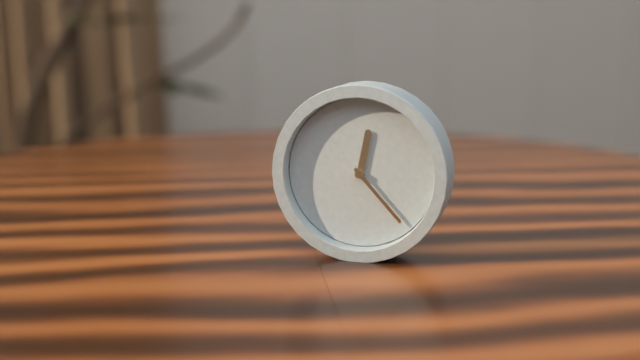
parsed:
12:23
